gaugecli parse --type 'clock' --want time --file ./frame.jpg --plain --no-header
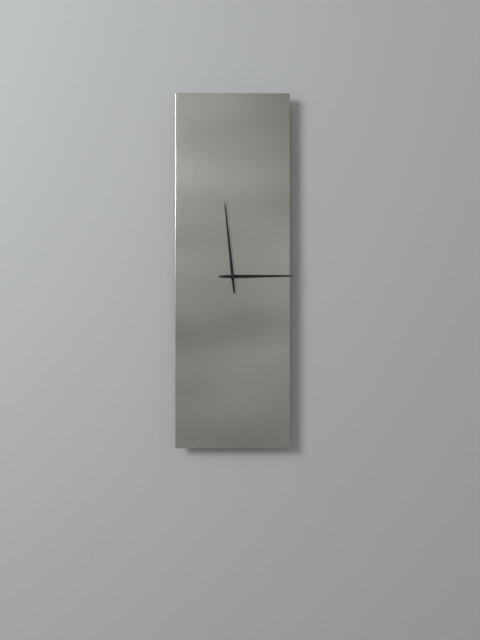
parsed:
2:59
